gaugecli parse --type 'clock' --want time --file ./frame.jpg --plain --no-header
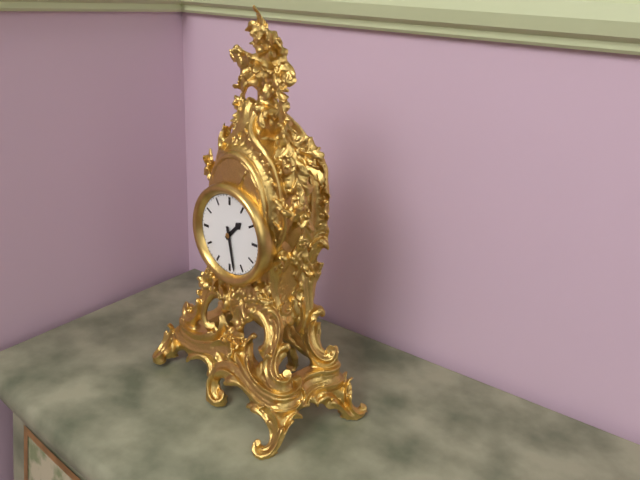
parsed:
1:28
